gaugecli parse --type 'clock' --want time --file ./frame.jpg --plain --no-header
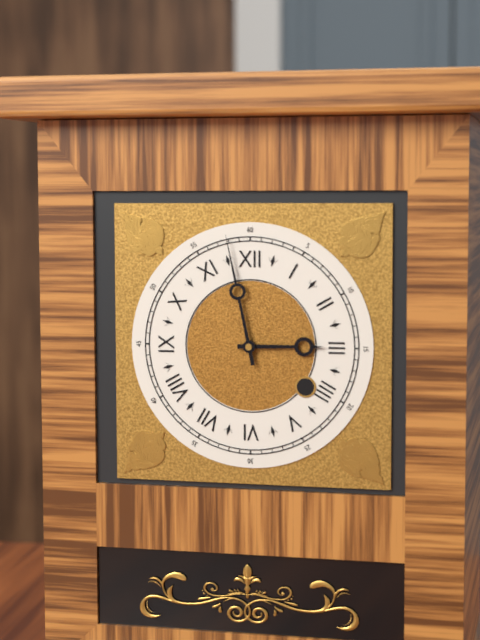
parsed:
2:58
